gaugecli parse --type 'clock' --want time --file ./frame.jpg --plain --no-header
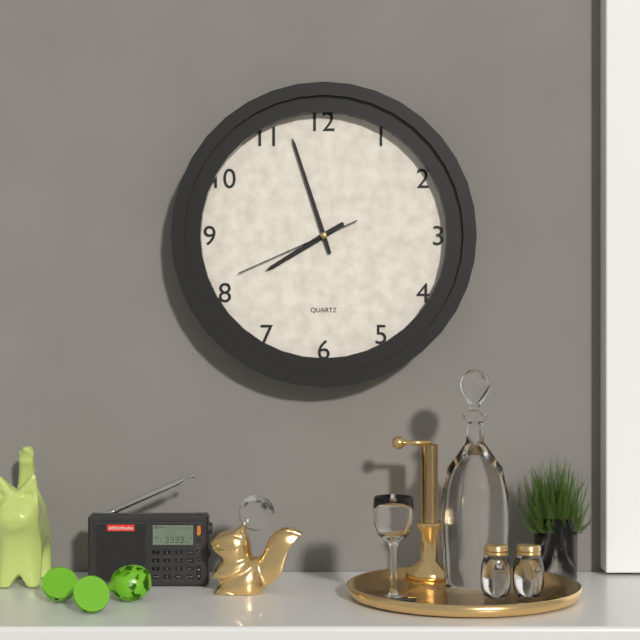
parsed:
7:57:41
